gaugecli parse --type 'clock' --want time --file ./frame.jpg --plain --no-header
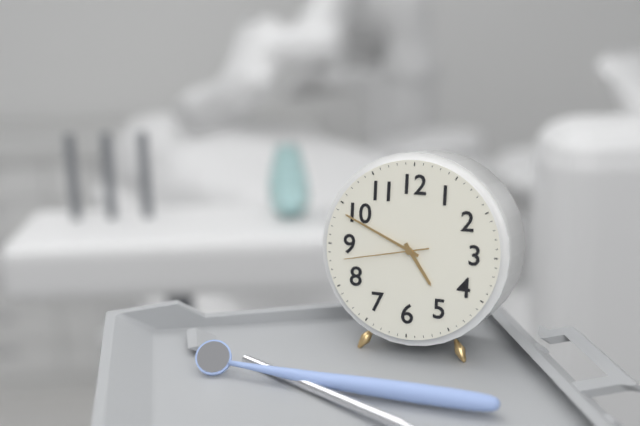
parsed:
4:49:43
